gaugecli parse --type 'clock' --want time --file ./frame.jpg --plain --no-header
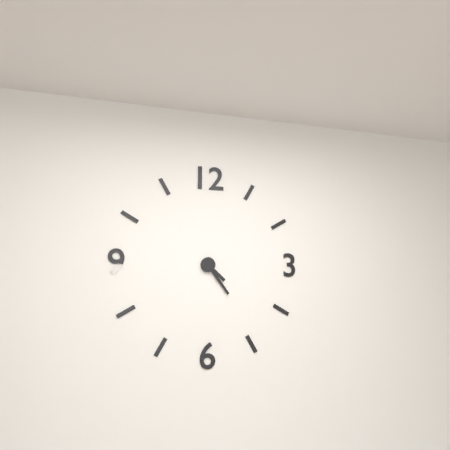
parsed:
4:24
